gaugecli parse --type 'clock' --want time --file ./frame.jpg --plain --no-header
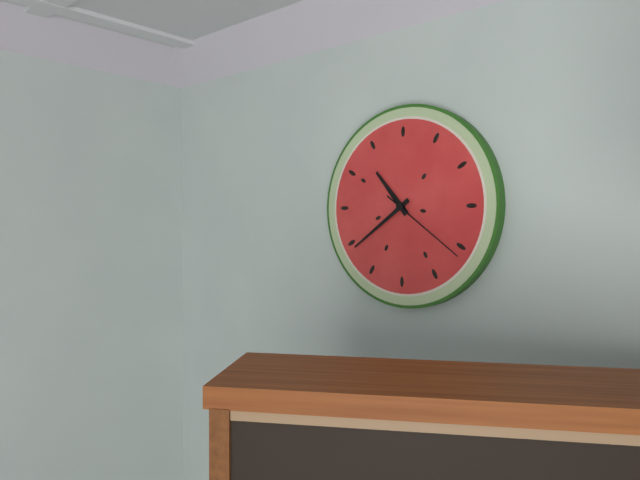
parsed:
10:39:21
